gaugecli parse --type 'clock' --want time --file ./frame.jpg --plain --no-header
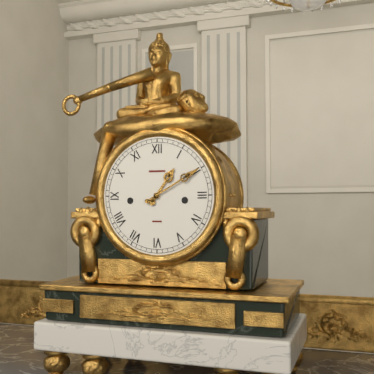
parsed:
1:10
